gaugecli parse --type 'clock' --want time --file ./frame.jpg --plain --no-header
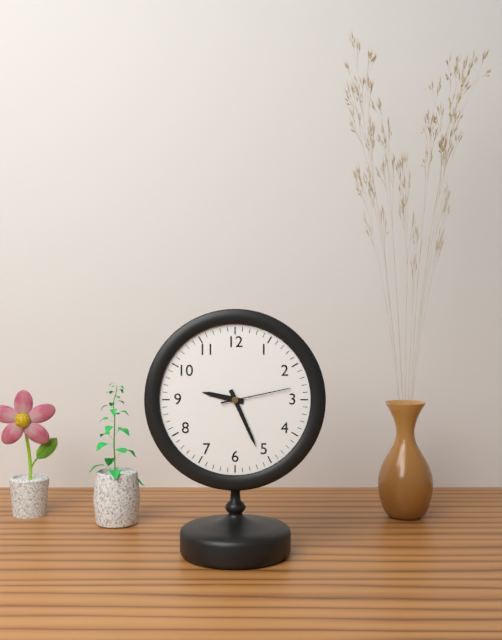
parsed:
9:26:13
